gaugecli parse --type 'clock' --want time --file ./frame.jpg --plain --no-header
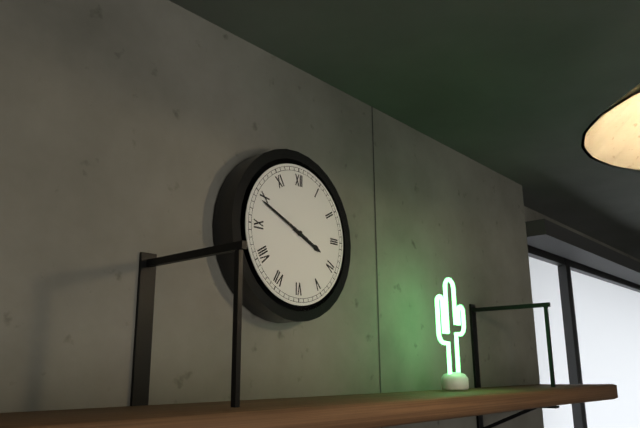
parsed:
3:49
